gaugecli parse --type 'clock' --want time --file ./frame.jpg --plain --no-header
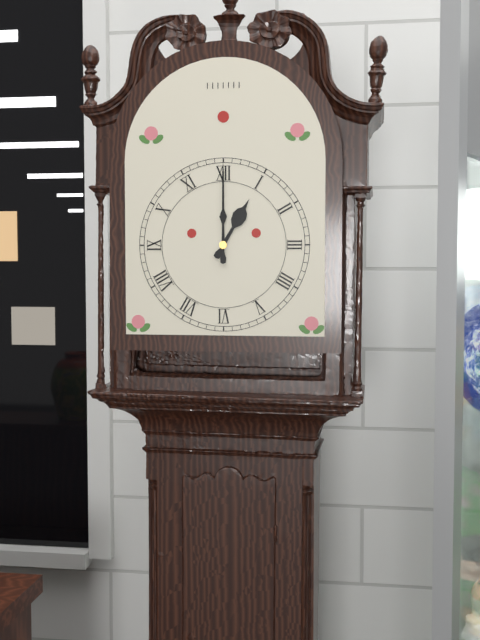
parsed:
1:00
